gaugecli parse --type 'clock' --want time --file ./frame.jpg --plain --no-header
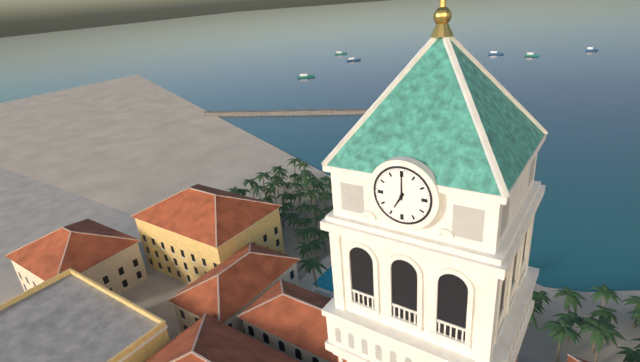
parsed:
7:00
